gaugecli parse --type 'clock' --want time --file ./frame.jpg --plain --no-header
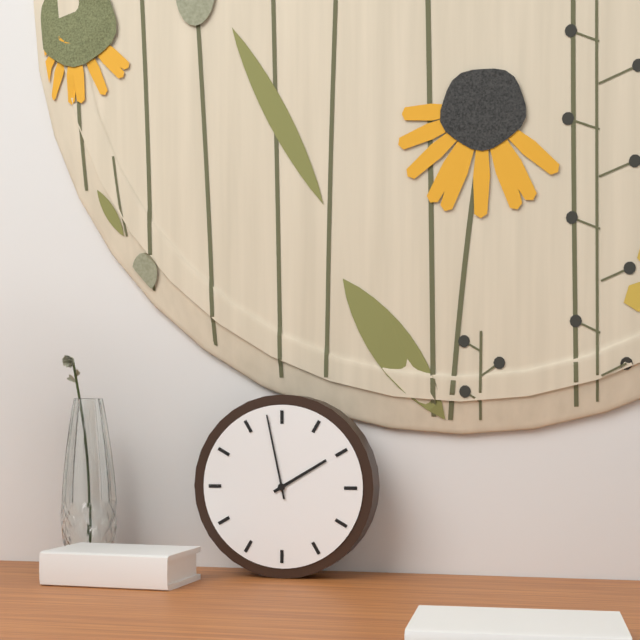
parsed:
1:58
